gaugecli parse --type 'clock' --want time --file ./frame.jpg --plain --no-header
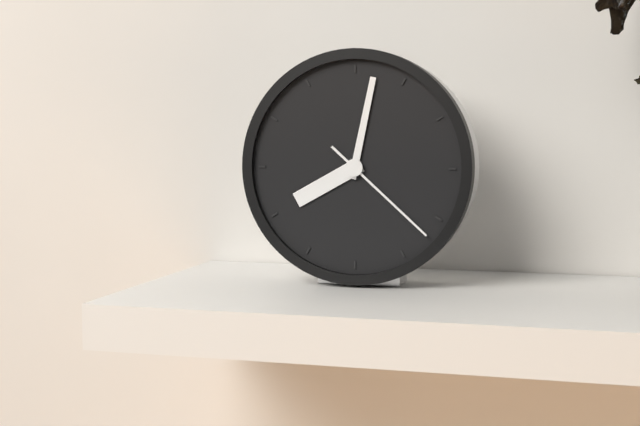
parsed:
8:02:22
